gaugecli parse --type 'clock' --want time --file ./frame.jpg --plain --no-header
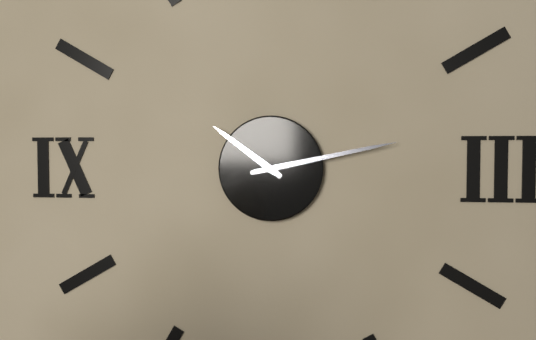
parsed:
10:13
